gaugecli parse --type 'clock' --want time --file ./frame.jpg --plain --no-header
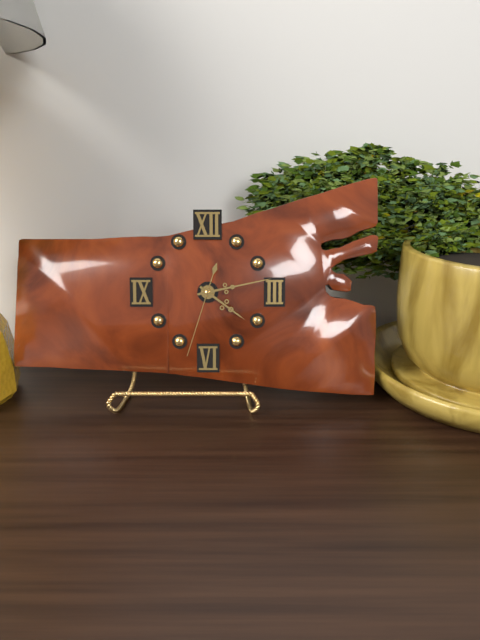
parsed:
4:13:33
